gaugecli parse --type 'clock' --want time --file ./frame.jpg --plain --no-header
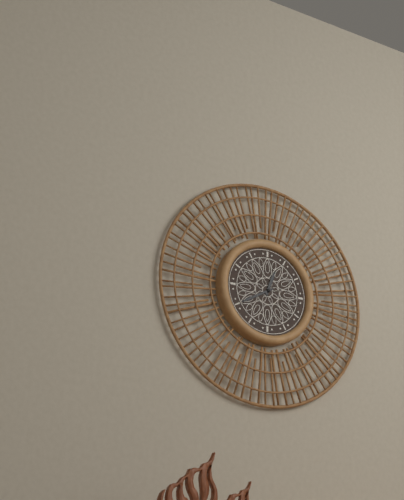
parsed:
12:40
